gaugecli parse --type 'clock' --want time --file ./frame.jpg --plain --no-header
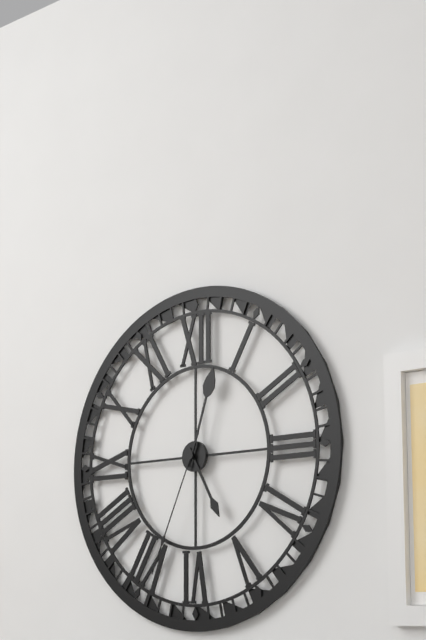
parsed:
5:03:34
